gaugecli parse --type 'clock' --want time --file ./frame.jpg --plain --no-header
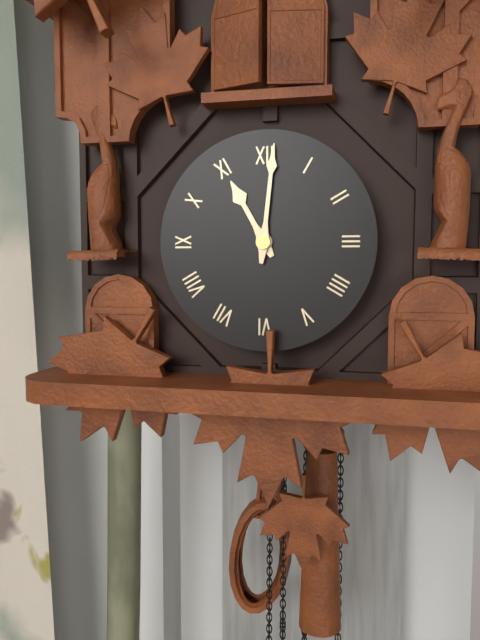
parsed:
11:01
